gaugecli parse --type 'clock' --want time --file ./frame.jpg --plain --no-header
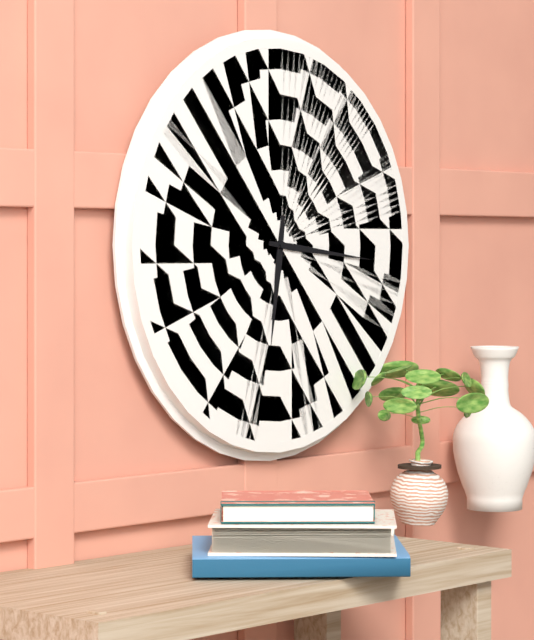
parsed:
6:16
